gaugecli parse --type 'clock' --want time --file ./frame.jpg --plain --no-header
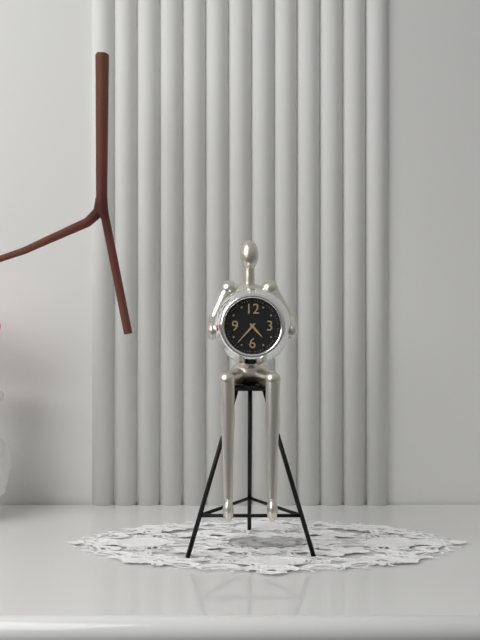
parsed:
4:37
